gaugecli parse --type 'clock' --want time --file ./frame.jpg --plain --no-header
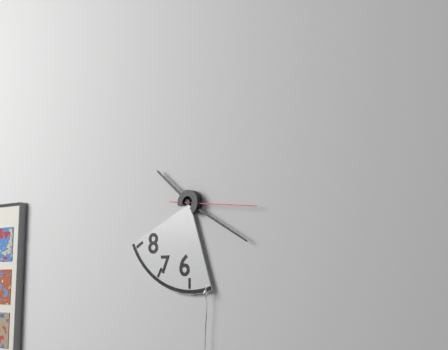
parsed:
10:20:16
